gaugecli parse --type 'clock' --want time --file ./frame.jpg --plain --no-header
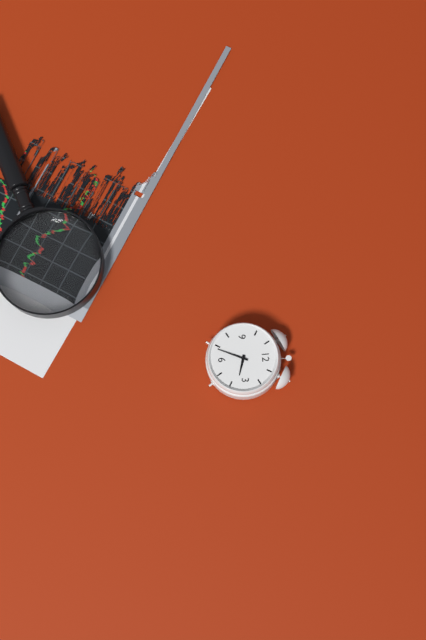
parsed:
3:34
